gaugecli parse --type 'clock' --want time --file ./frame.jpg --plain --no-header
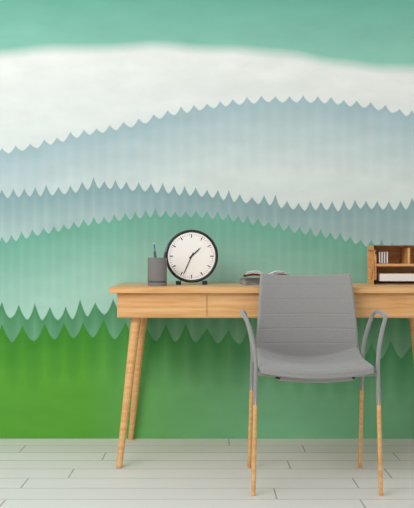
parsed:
1:34
